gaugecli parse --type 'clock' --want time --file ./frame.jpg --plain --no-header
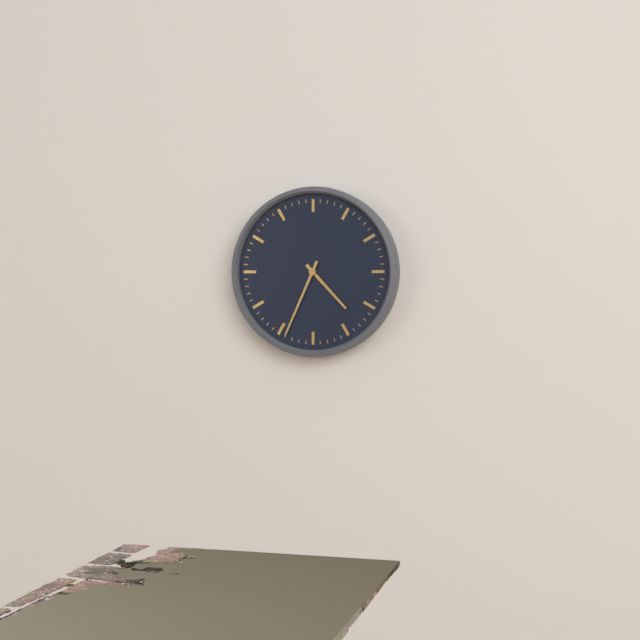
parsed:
4:34
